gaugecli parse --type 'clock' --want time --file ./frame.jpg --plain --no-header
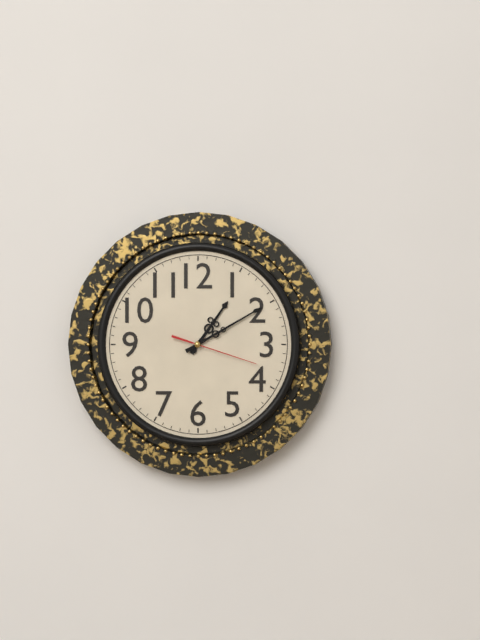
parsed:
1:10:18
